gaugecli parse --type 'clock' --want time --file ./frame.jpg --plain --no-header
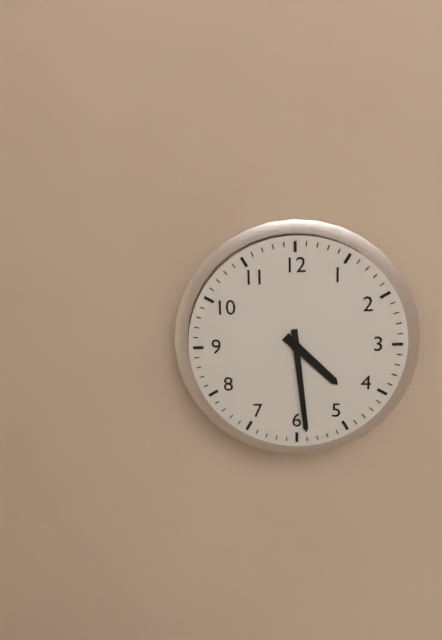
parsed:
4:29
